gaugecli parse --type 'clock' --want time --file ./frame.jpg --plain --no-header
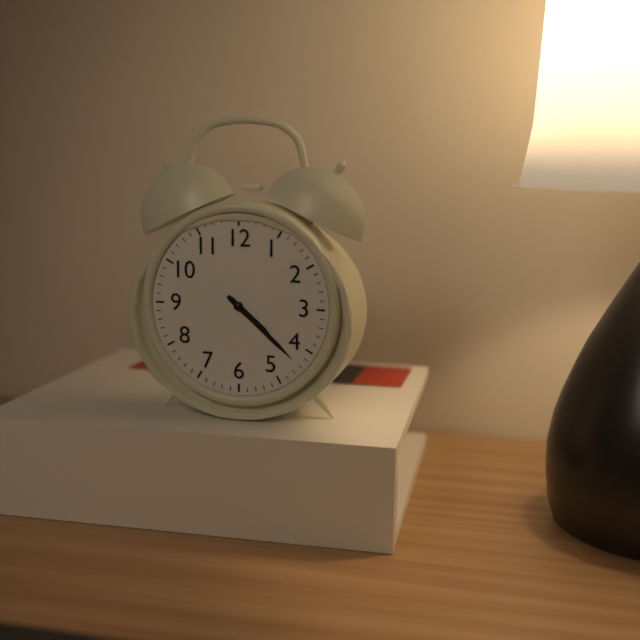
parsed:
4:22
